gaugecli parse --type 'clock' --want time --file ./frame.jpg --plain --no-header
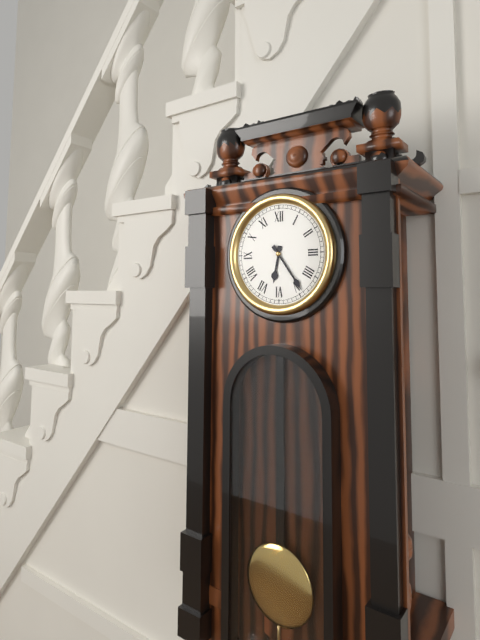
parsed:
6:24
